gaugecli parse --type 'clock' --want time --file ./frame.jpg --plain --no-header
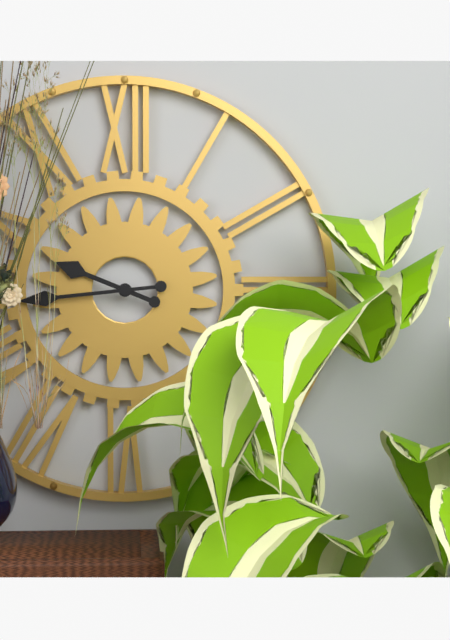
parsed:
9:44
